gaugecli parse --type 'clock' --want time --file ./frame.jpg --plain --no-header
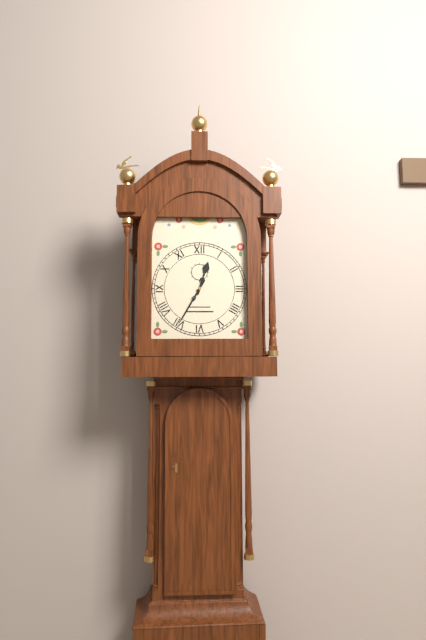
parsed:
12:35
